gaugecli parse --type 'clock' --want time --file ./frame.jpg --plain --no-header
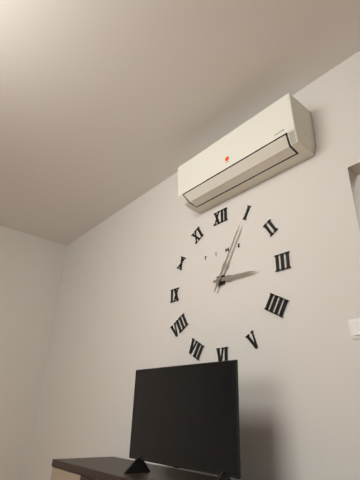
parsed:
3:05
